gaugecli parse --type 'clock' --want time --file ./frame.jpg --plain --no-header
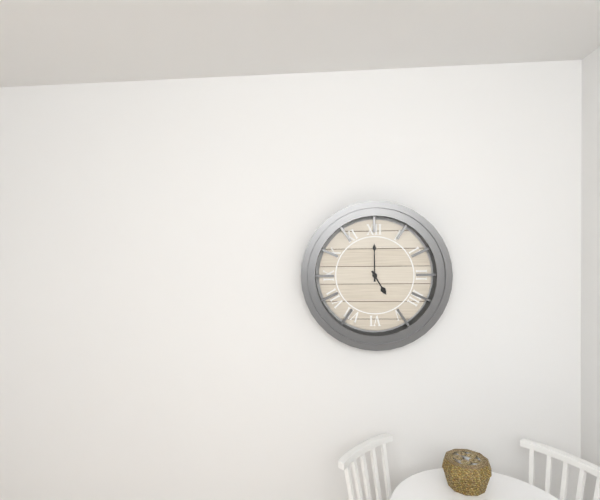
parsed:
5:00
